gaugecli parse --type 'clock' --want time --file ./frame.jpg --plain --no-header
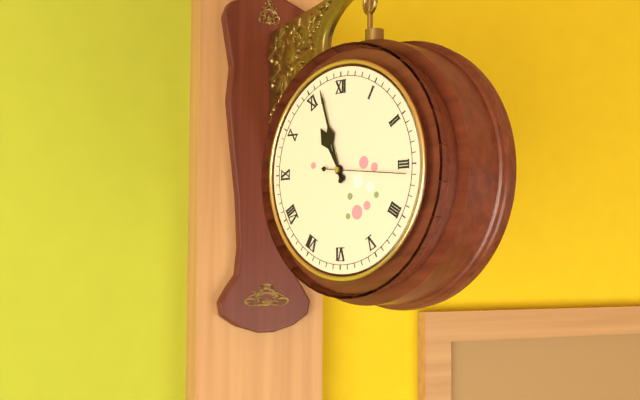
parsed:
10:57
